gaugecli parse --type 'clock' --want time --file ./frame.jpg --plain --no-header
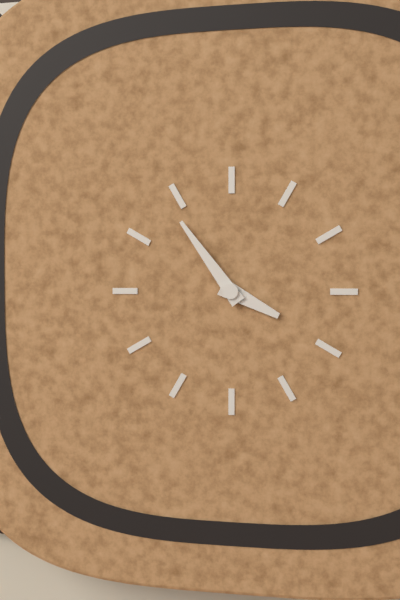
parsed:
3:54
